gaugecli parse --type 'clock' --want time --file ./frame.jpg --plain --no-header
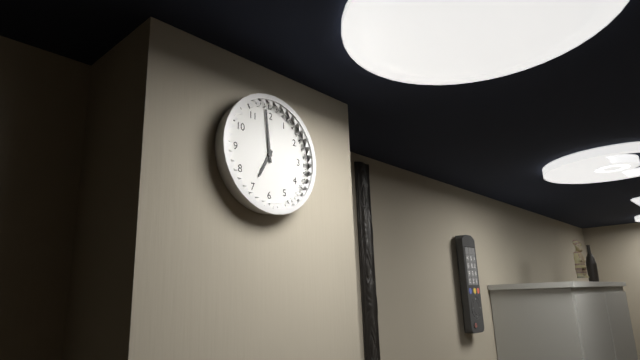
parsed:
6:59
